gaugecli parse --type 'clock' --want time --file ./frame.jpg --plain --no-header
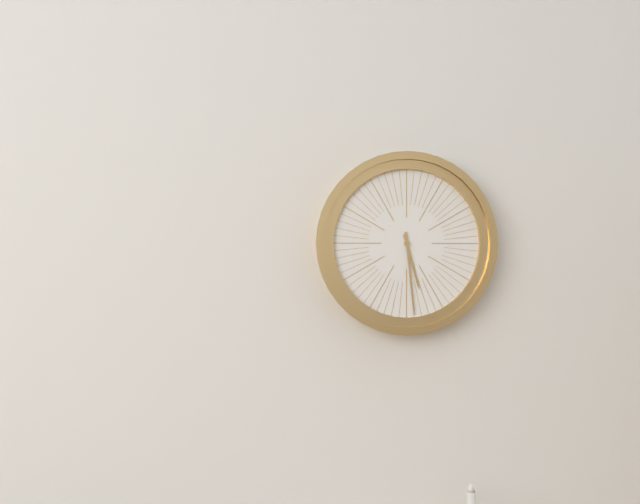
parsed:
5:29
